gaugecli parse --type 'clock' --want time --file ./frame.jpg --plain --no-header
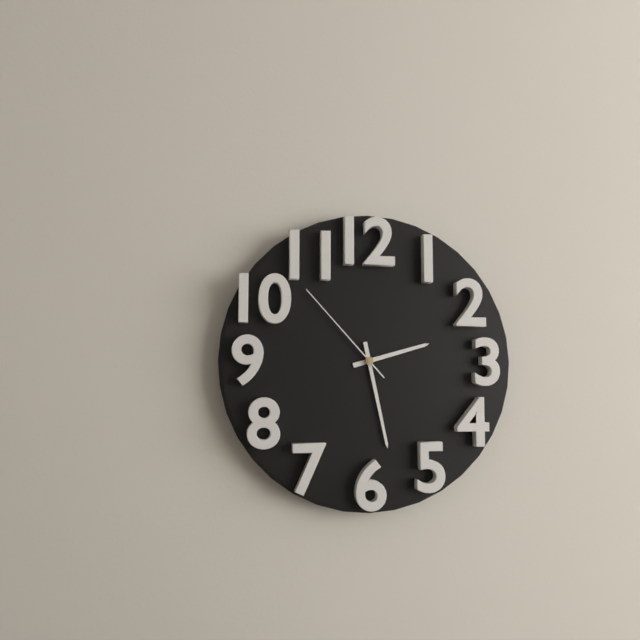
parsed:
2:28:53
